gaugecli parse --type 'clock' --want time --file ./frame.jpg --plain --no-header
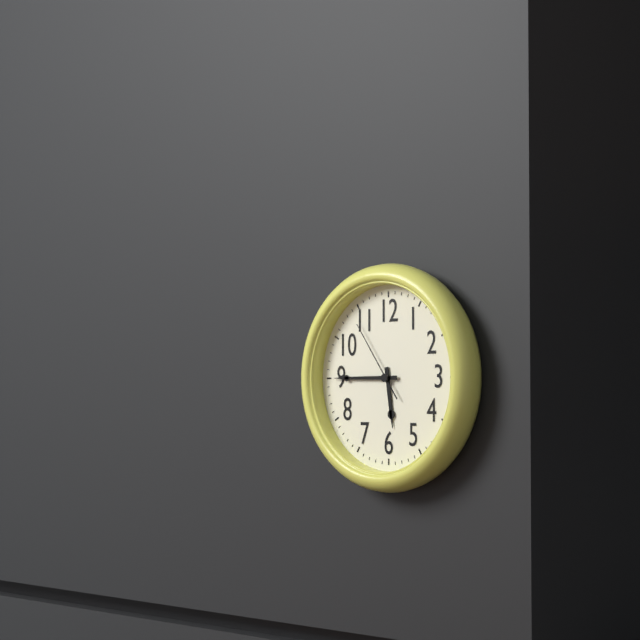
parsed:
5:45:54
